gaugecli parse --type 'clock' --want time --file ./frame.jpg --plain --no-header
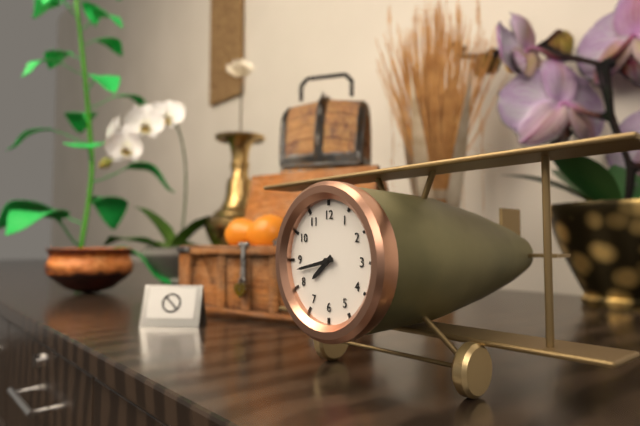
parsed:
7:43
